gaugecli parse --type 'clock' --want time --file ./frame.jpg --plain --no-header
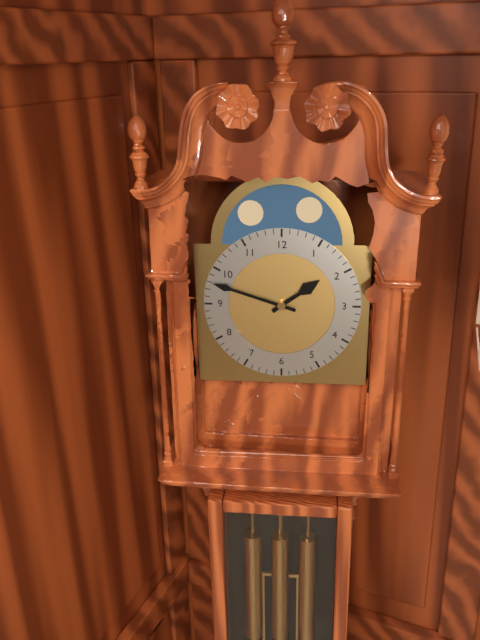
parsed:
1:48
